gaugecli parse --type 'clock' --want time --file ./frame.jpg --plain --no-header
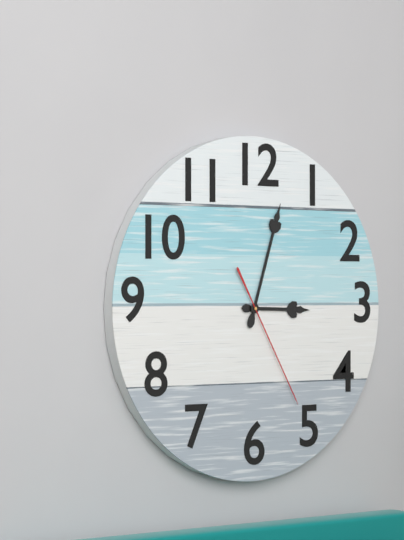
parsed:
3:03:25
